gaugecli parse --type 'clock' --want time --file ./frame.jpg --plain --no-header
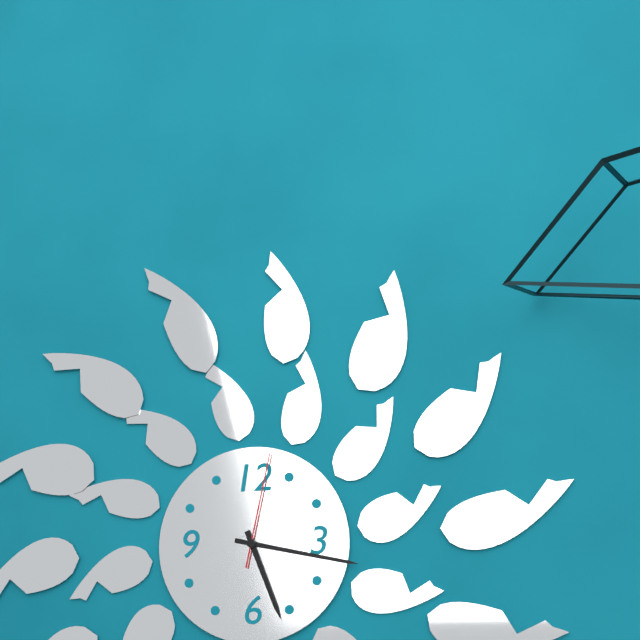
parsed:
5:17:02
